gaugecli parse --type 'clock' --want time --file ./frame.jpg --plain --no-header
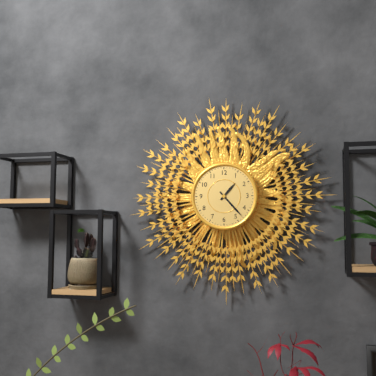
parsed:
1:23
